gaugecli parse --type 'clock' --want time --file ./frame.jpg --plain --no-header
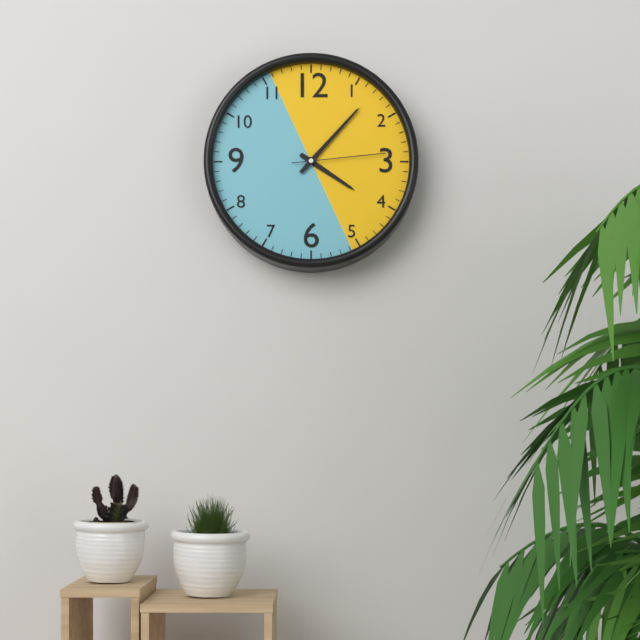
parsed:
4:07:14
